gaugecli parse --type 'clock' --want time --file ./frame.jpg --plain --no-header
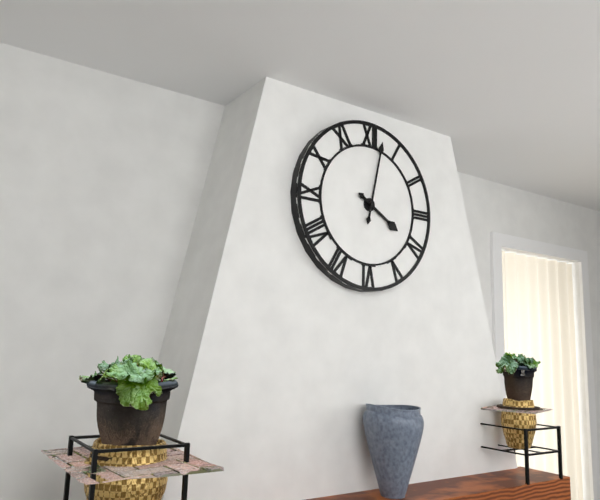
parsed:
4:02
